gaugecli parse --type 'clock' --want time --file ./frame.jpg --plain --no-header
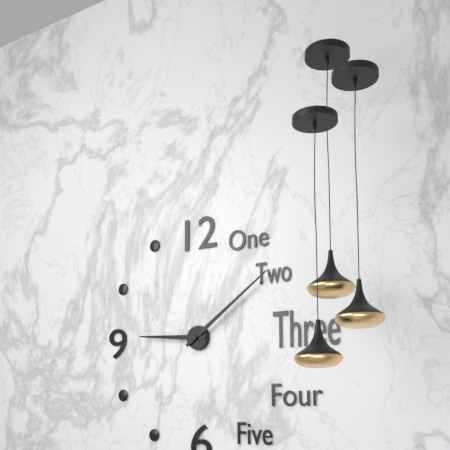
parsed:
9:09
